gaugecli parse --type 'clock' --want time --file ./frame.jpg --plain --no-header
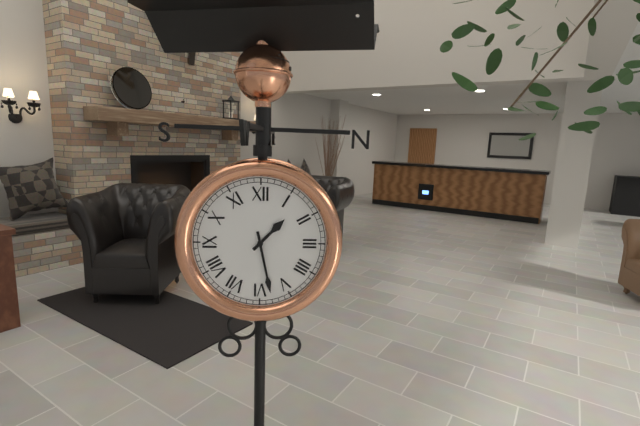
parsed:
1:28
